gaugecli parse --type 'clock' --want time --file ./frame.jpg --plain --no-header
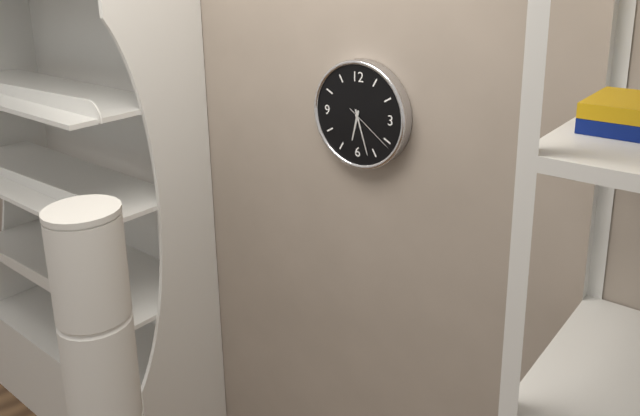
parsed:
6:27:21
